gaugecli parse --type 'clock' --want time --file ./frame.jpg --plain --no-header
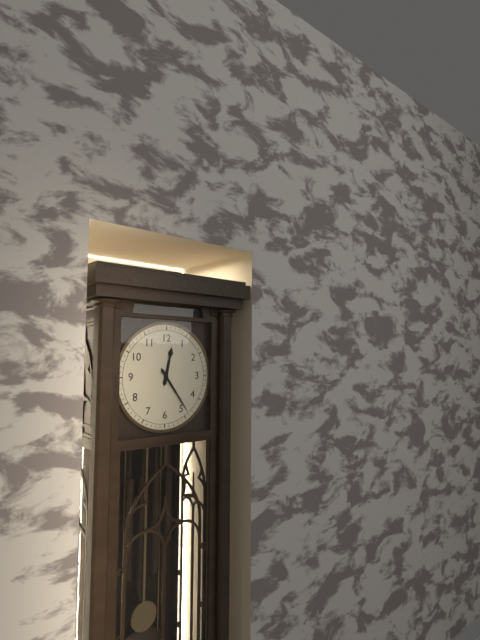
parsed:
12:24
